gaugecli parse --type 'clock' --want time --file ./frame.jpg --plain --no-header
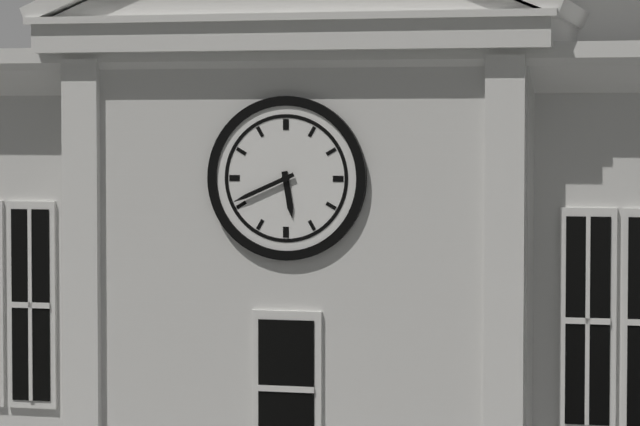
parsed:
5:41
